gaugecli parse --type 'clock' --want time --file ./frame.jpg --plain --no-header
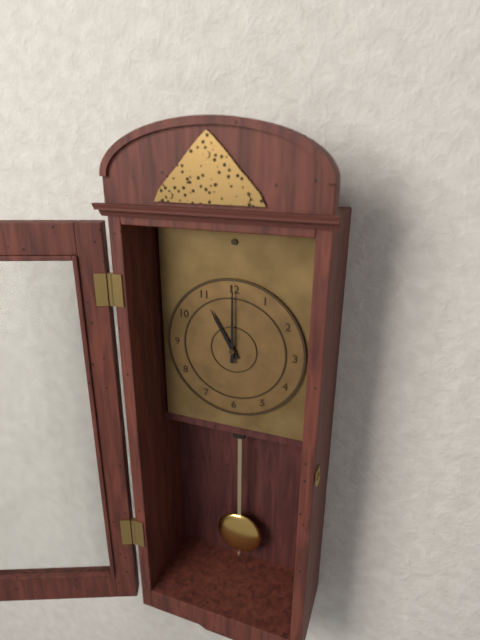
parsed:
11:00
